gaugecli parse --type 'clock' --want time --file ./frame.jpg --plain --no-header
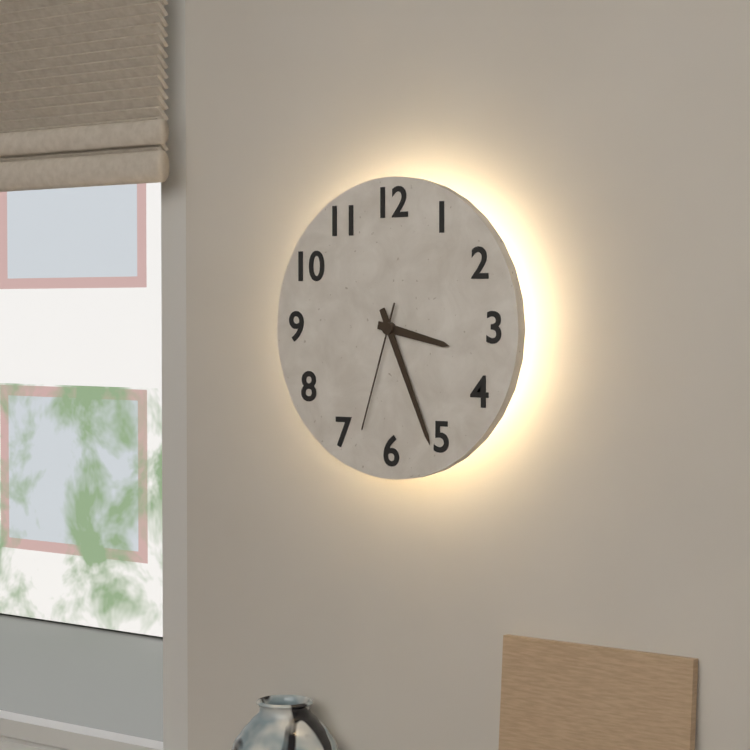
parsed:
3:26:33
